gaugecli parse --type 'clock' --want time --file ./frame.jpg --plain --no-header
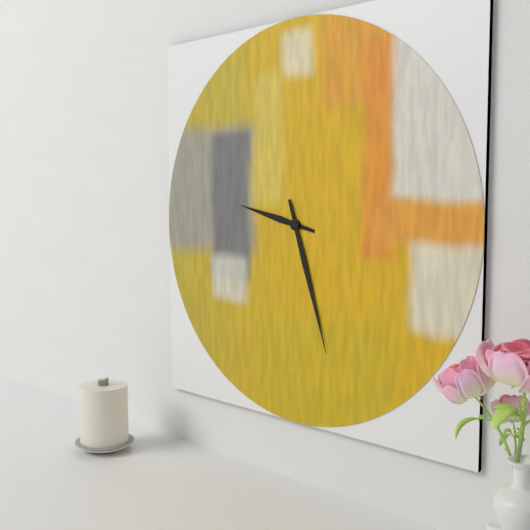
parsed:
9:27
